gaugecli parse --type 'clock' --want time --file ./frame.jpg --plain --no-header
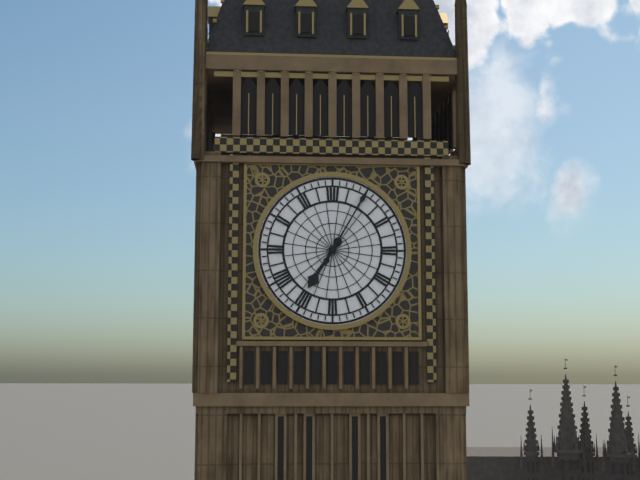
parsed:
7:05
